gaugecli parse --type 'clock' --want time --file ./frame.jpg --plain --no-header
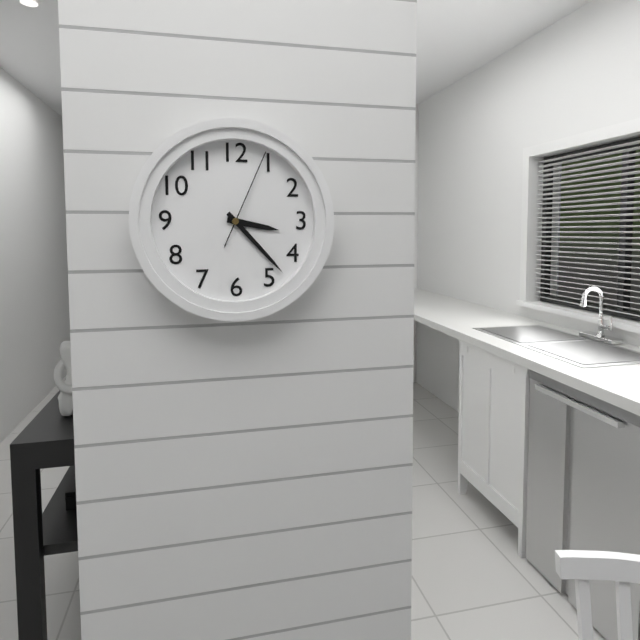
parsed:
3:23:04
